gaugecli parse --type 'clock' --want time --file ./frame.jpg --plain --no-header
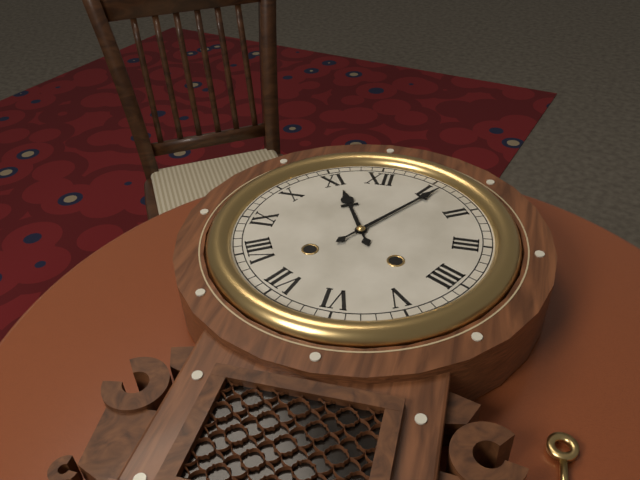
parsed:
11:06
